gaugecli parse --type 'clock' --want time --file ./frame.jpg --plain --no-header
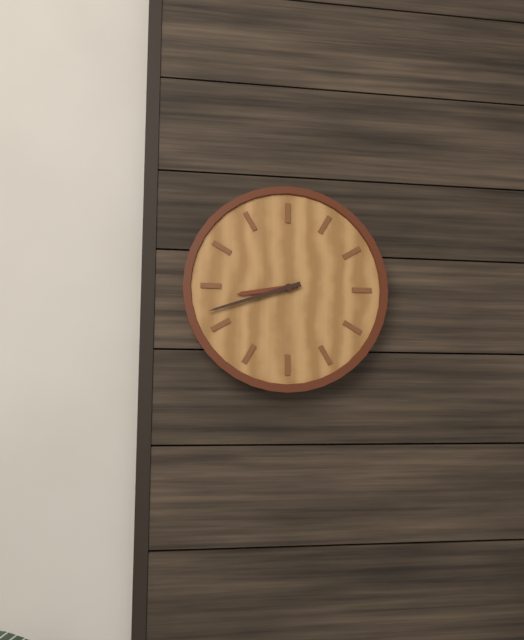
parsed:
8:42
